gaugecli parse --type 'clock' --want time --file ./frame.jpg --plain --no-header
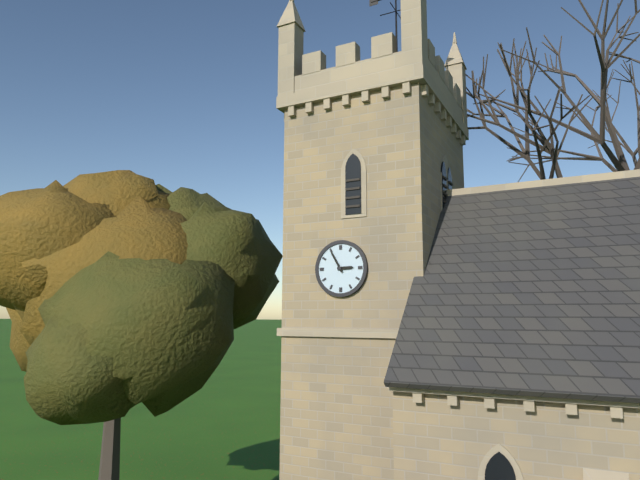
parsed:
2:55
